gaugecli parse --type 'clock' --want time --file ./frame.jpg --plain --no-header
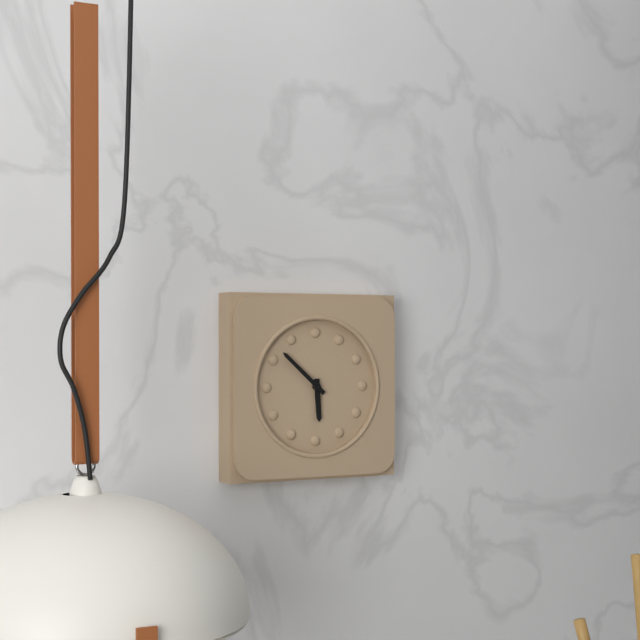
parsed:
5:52
